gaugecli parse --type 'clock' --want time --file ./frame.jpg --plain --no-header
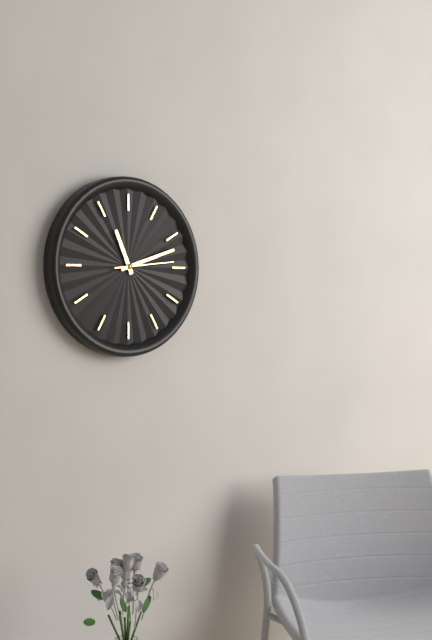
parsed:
11:12:14
